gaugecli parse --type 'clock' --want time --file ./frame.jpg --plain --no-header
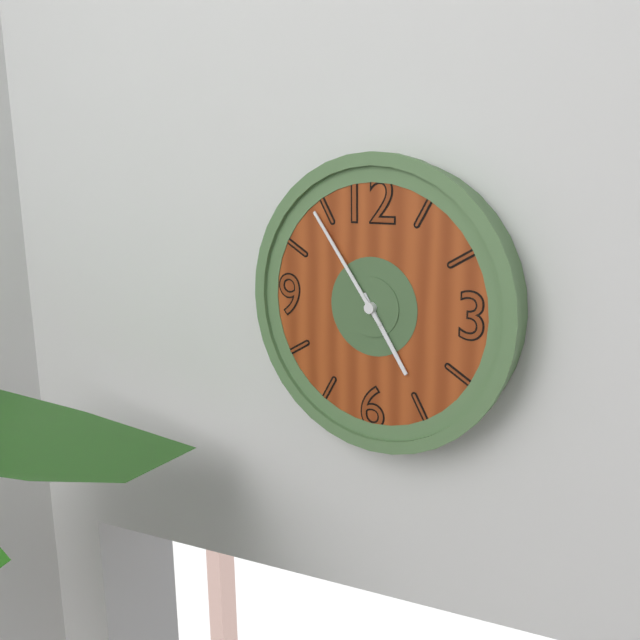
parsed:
4:54
